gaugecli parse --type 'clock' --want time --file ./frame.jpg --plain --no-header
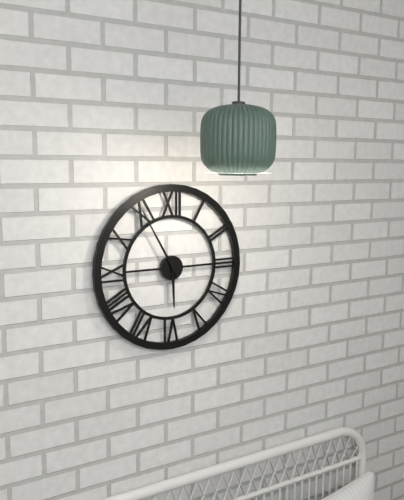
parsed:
5:55
